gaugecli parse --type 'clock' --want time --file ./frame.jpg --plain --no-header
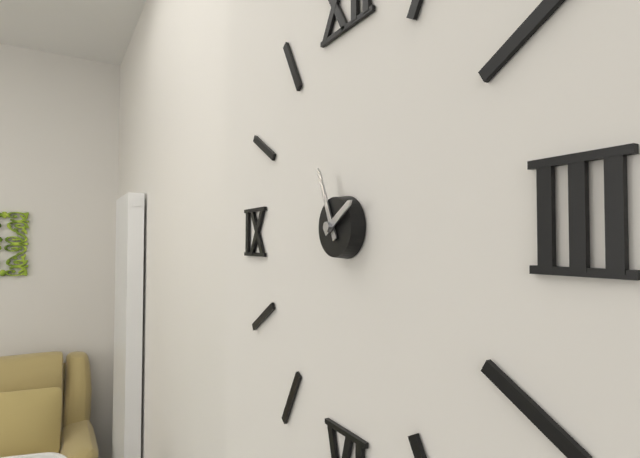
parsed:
1:56
